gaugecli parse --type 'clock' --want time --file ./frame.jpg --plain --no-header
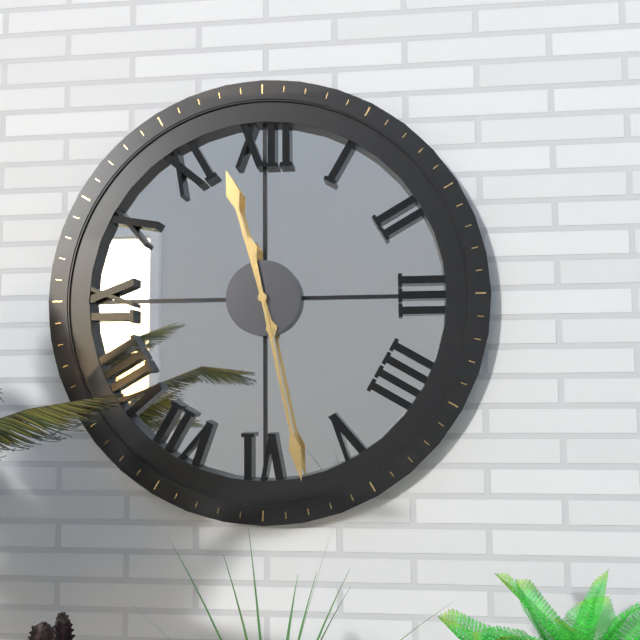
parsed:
11:28
